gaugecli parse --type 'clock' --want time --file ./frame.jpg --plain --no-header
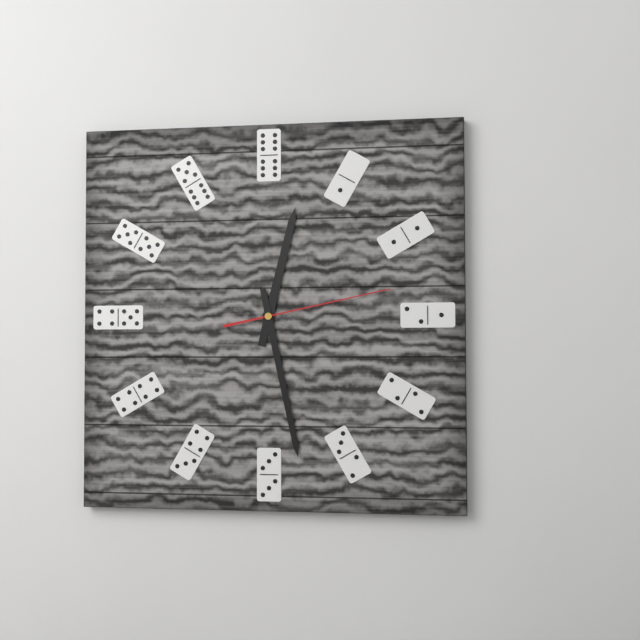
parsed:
12:28:13
